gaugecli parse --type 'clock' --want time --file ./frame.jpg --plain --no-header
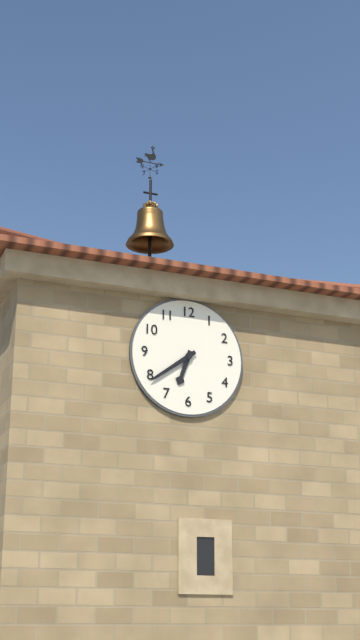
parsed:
6:39
